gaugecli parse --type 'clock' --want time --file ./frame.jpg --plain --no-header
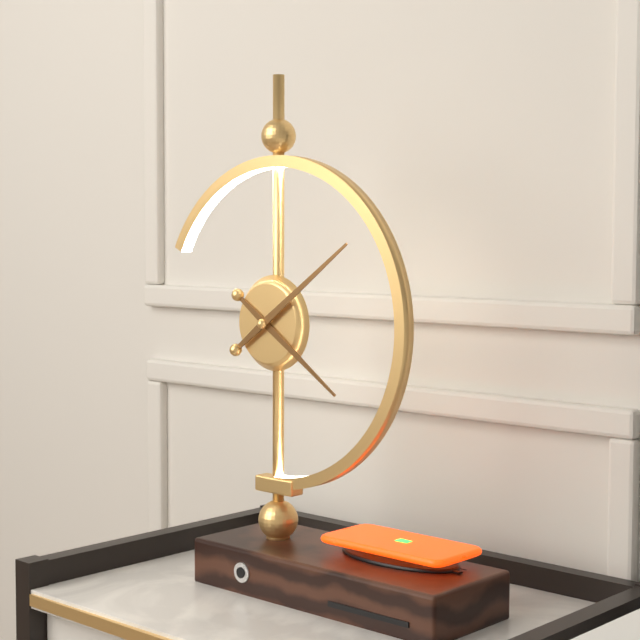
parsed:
4:09
